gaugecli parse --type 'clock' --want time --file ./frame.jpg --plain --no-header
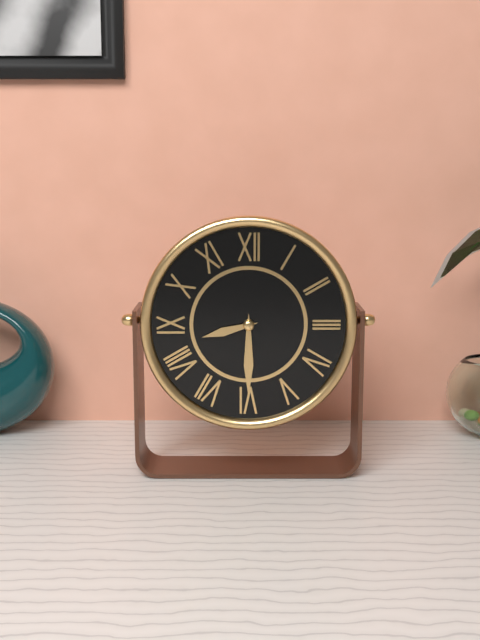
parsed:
8:30
